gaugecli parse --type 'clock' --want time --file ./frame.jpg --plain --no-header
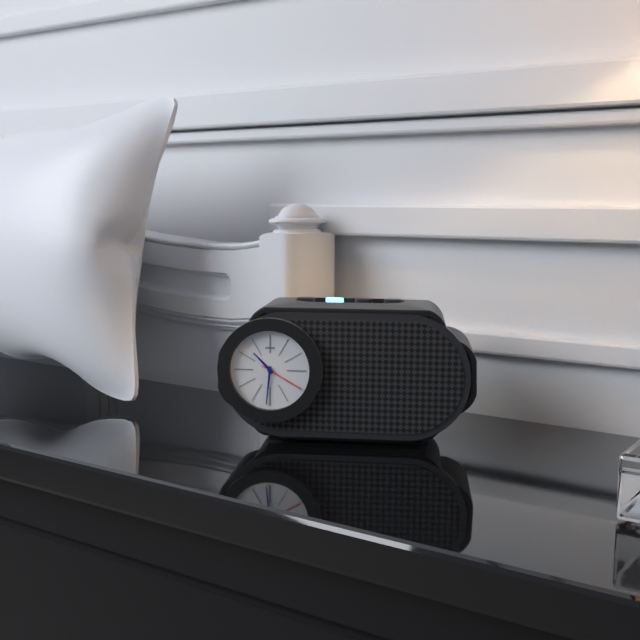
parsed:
10:31
